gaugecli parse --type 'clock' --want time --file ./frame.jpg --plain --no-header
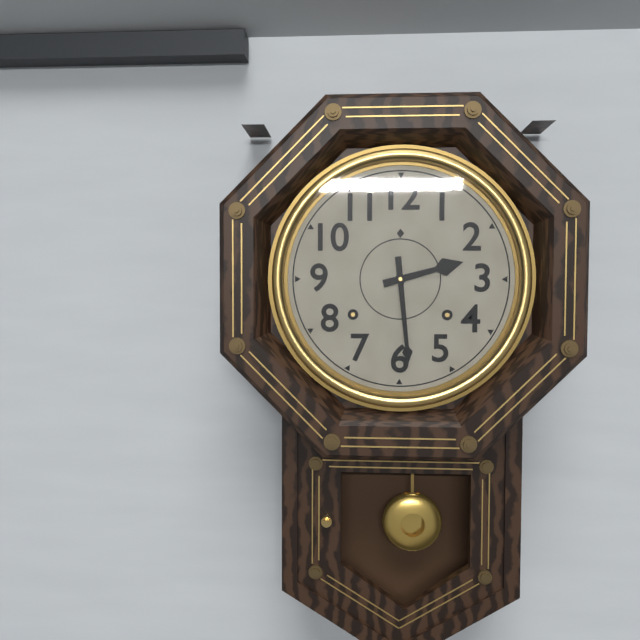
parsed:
2:29
